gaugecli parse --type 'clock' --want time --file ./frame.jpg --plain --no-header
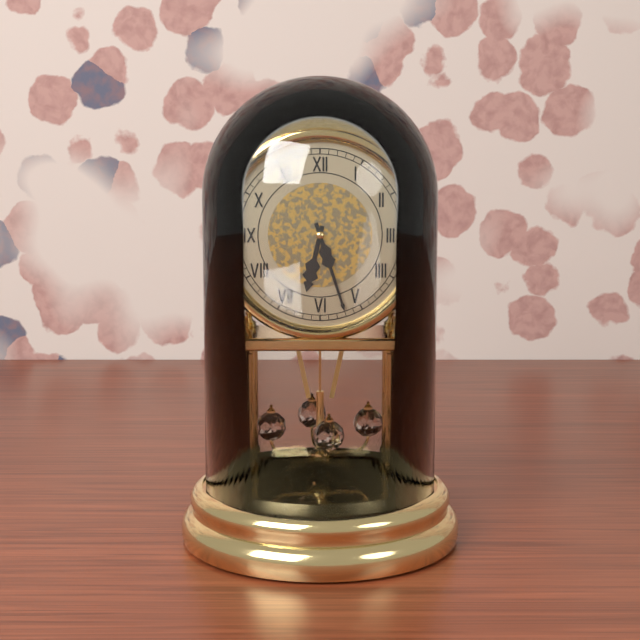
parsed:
6:27
